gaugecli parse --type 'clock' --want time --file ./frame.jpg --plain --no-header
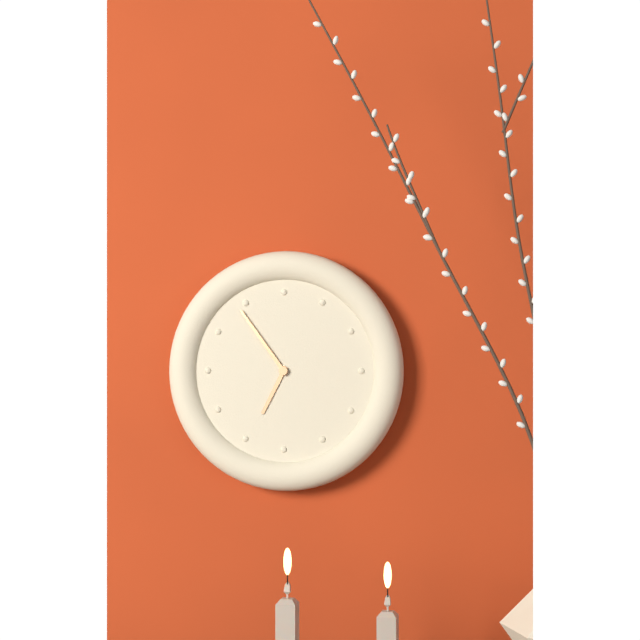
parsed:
6:54
